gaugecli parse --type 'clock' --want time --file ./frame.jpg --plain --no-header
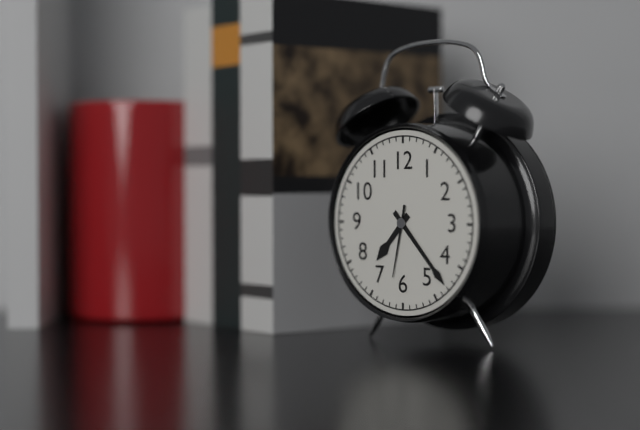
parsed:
7:23:32
